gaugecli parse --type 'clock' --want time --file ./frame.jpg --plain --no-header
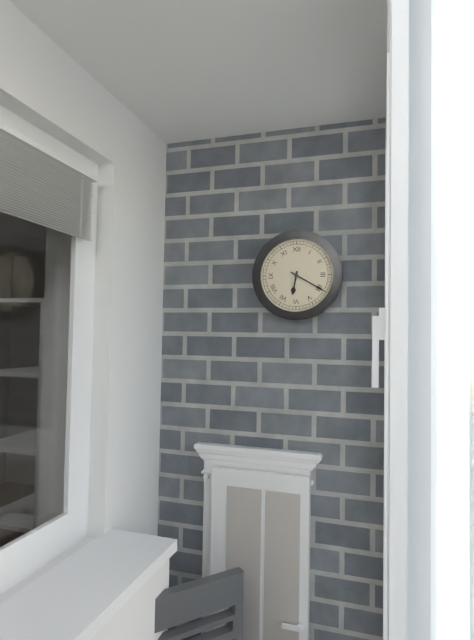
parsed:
6:20
